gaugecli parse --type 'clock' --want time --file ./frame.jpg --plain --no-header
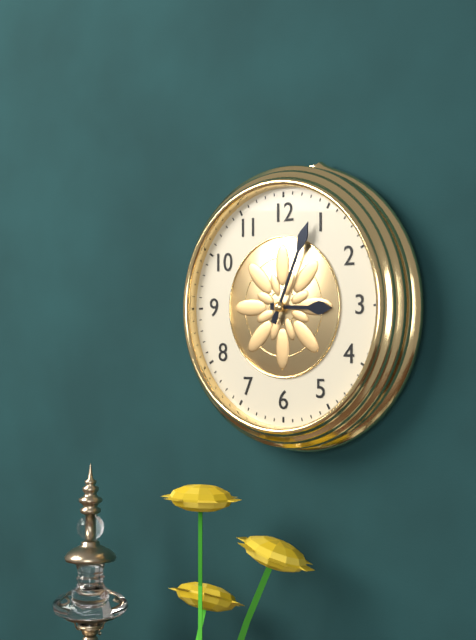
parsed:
3:04
